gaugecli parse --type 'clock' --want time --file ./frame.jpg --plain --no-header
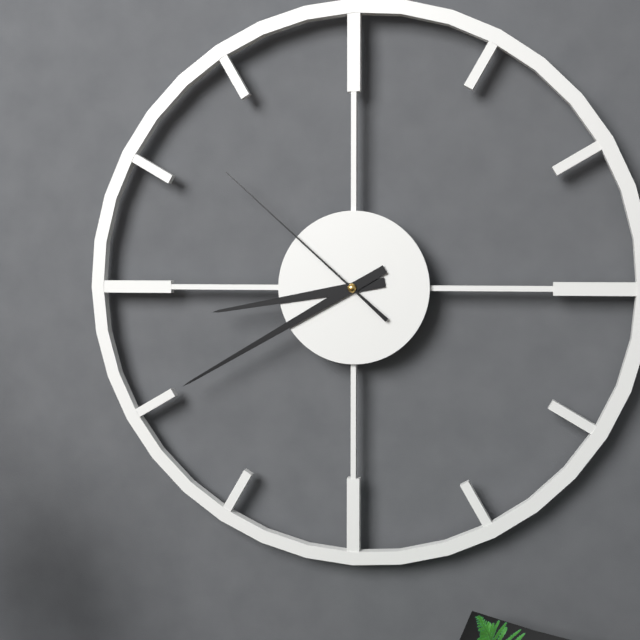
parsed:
8:40:52
